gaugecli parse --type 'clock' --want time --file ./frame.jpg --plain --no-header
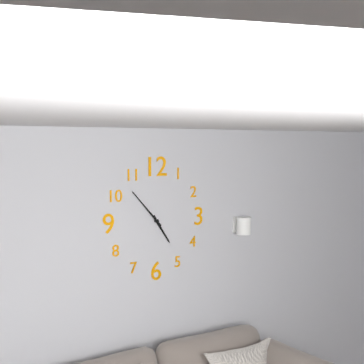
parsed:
4:53
